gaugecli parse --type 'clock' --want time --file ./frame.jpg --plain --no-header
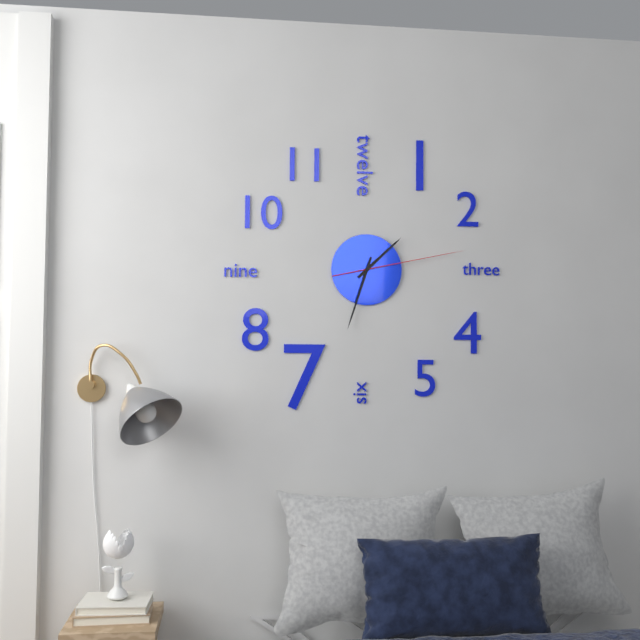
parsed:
1:33:13
